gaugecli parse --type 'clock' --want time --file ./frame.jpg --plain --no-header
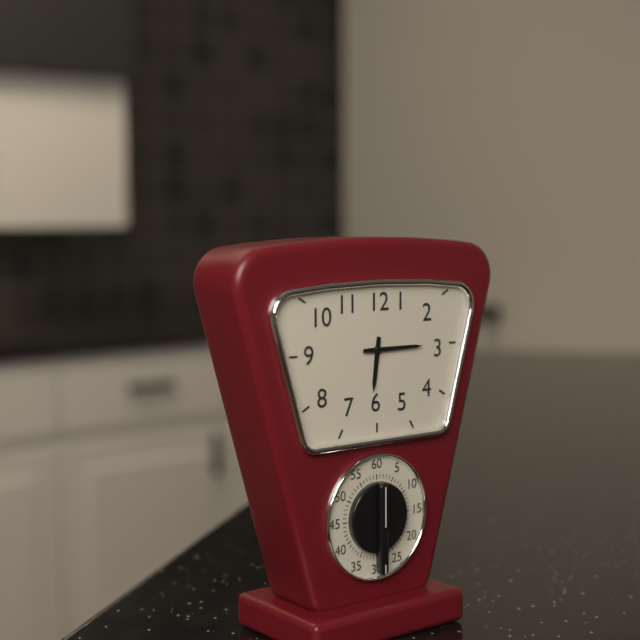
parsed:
6:15
